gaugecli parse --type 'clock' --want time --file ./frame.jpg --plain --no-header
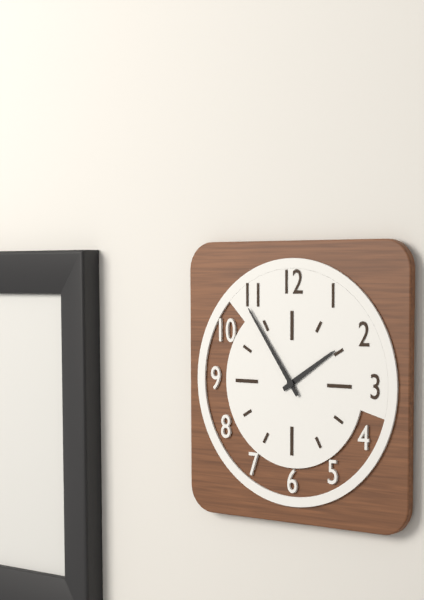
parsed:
1:54
